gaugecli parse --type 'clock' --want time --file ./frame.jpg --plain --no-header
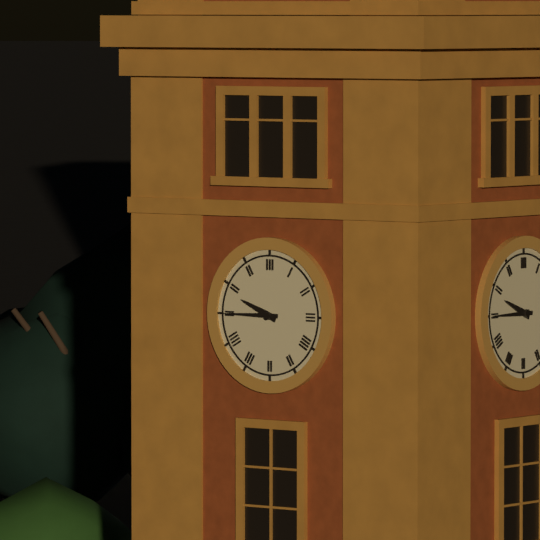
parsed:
9:45
